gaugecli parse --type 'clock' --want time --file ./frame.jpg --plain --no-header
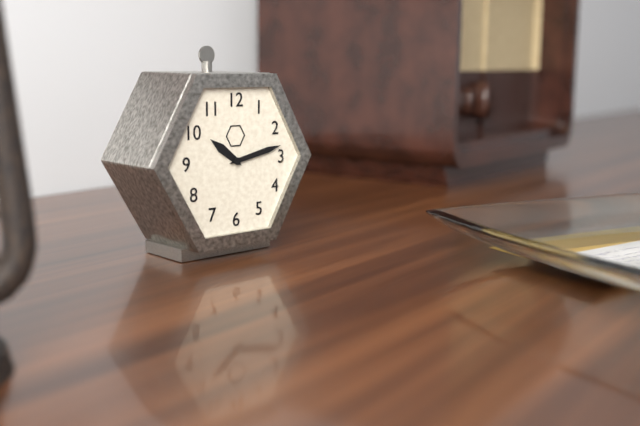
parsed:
10:13
